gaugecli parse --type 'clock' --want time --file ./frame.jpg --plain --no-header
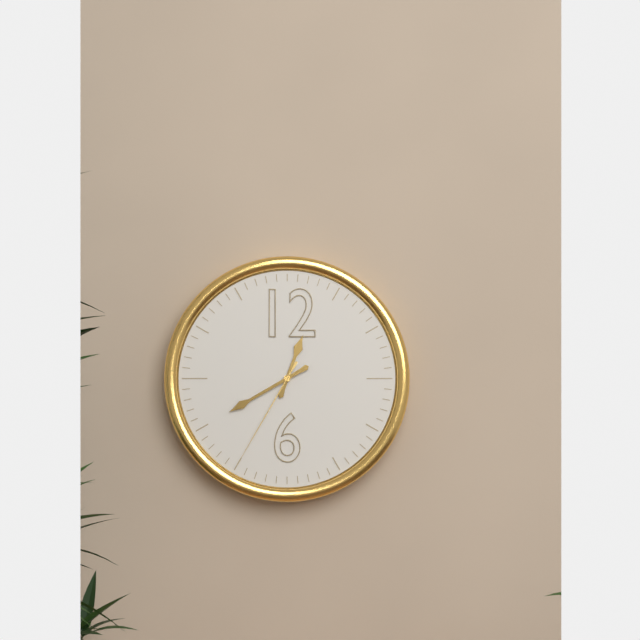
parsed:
12:40:35
